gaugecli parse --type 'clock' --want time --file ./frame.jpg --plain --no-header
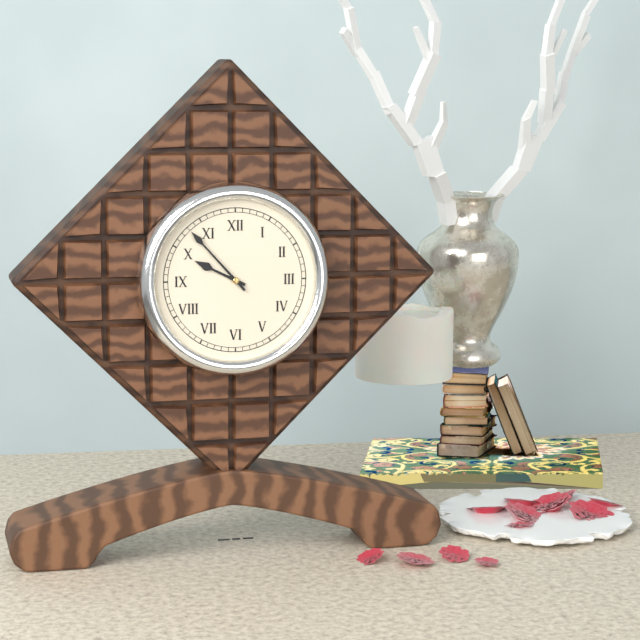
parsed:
9:53
